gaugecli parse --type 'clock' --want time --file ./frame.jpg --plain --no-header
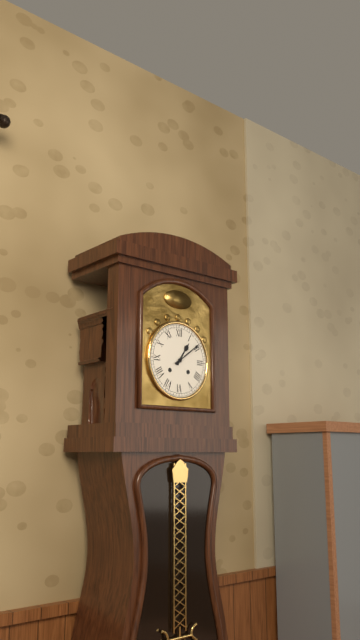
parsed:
1:09
